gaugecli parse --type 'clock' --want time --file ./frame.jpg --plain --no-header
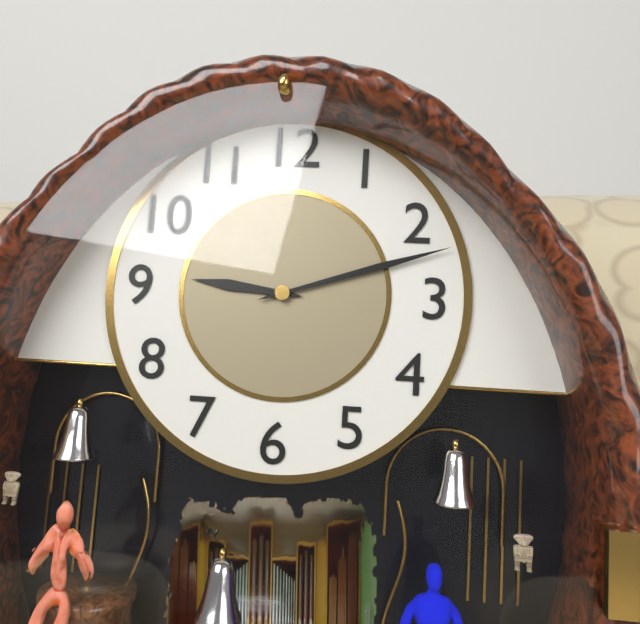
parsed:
9:12
